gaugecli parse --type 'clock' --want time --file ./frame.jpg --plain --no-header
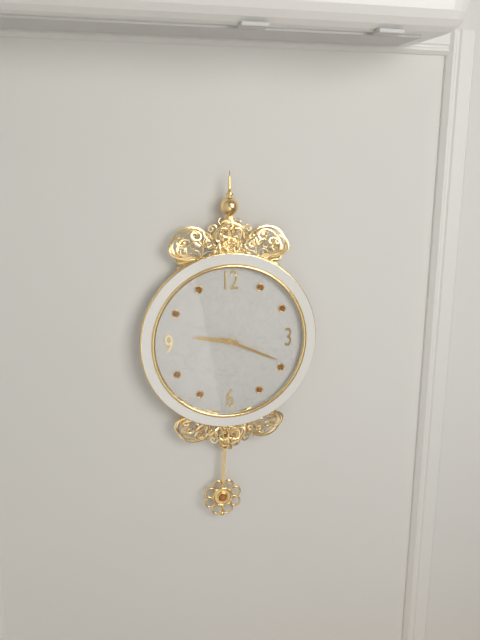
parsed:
9:19
